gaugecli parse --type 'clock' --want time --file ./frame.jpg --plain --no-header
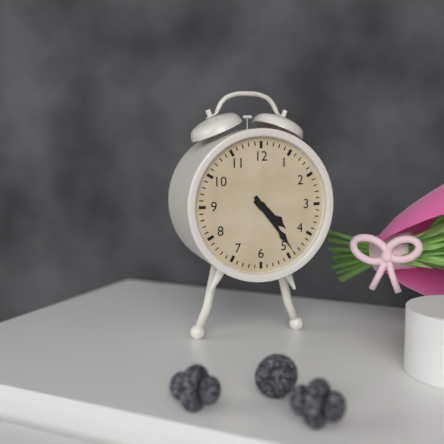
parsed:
4:24
